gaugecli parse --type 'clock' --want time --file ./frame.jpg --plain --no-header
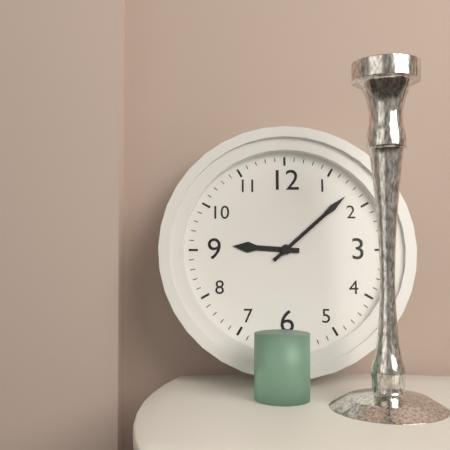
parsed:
9:08
